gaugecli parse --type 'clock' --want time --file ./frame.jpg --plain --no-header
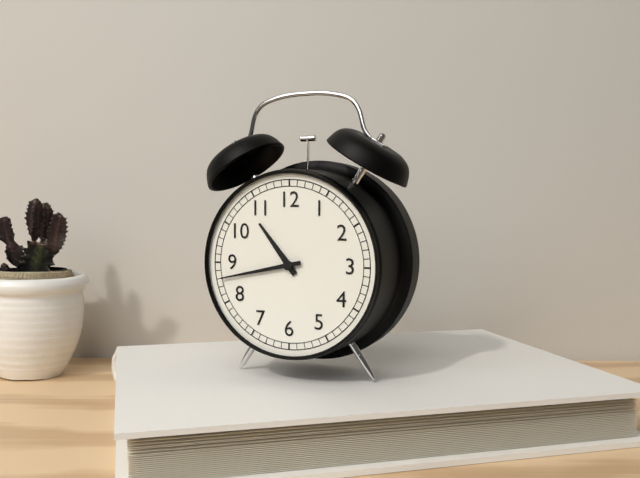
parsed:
10:43
